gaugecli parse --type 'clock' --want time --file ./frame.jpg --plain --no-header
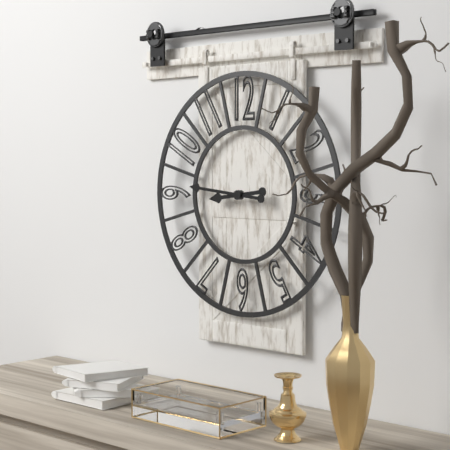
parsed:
8:46
